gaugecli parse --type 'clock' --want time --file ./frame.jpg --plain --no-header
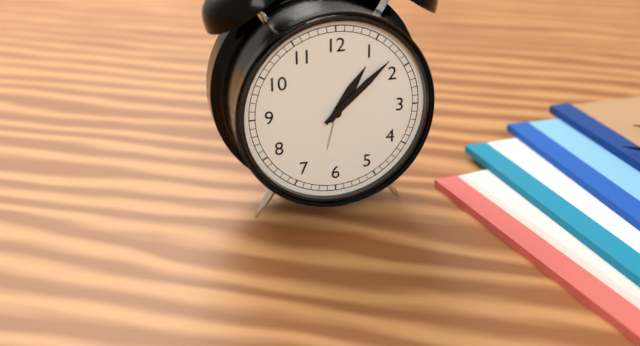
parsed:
1:08
